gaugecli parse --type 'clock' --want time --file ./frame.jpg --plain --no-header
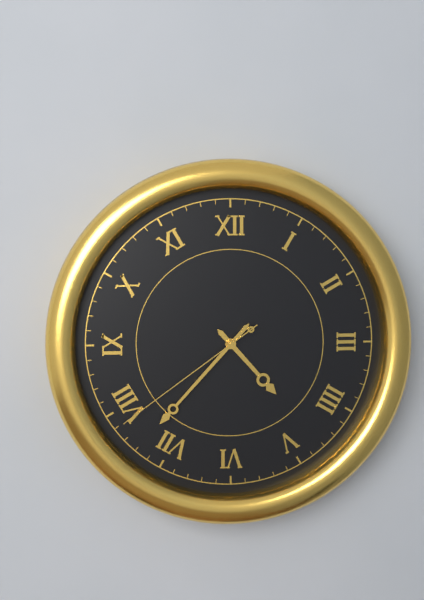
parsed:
4:37:39
